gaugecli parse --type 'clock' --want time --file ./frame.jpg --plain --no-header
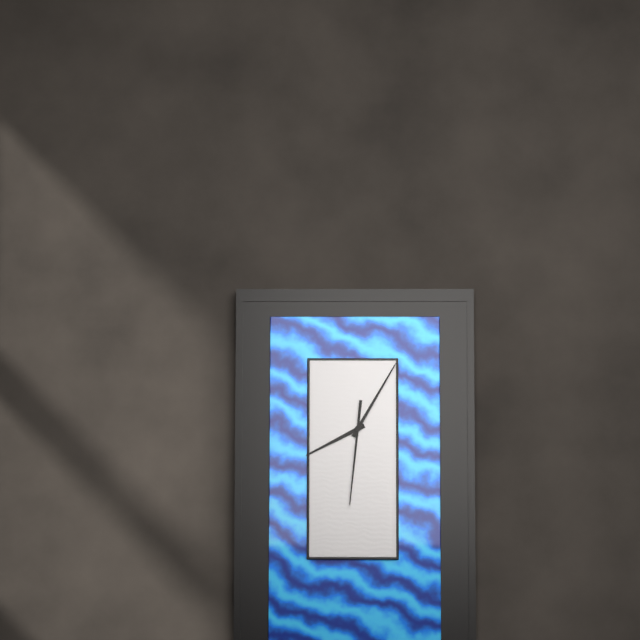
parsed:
8:05:31
